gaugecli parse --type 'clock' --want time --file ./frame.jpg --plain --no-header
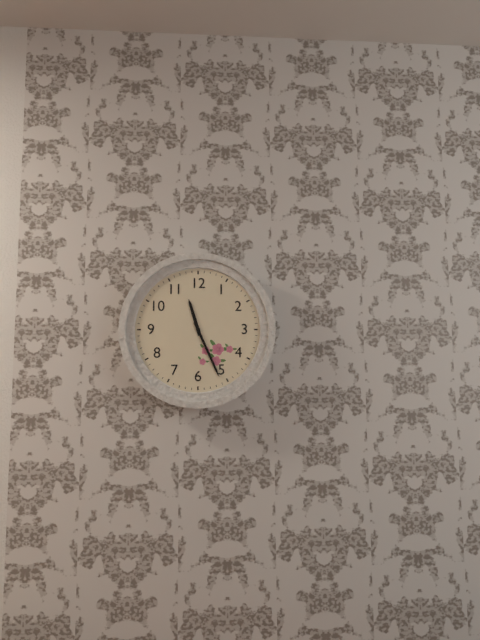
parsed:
11:26
